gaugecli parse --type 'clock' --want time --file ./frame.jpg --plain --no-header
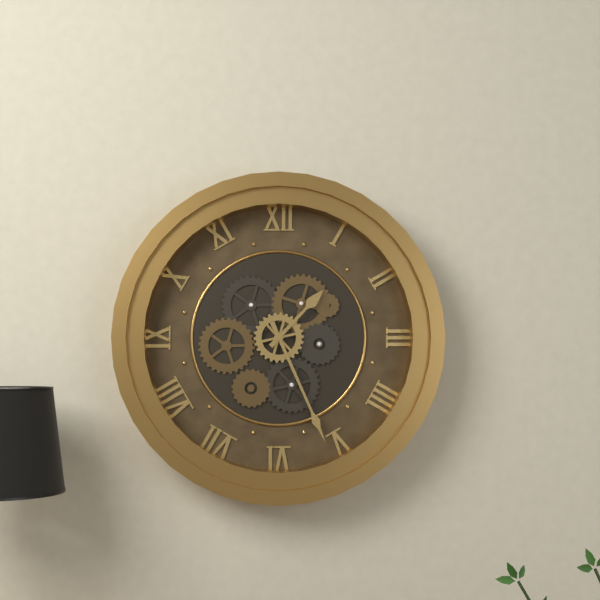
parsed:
1:26
